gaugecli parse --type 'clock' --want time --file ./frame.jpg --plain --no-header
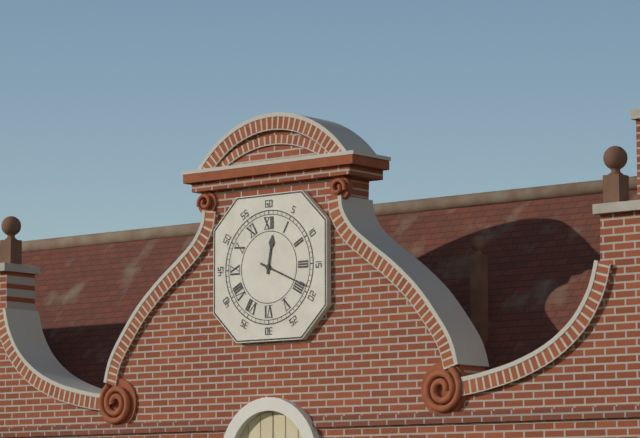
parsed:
12:19
